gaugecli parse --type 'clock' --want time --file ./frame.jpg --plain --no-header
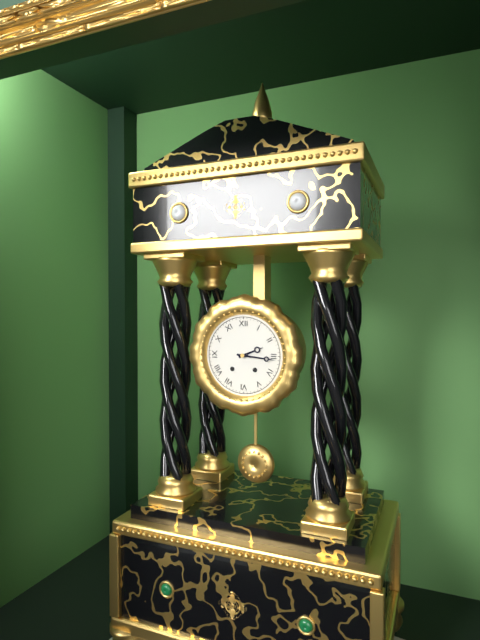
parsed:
2:16
